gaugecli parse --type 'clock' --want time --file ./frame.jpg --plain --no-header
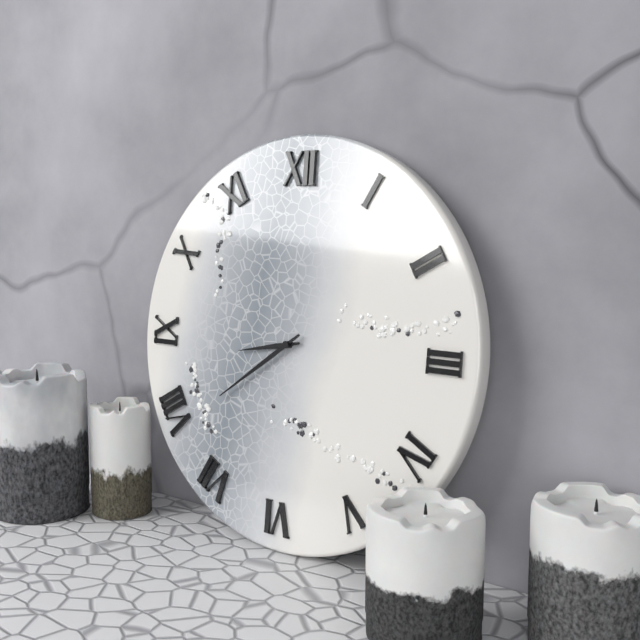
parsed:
8:39
